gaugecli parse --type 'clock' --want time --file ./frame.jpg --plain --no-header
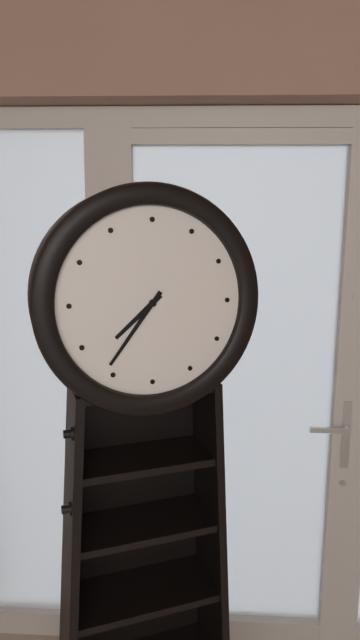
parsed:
7:36
